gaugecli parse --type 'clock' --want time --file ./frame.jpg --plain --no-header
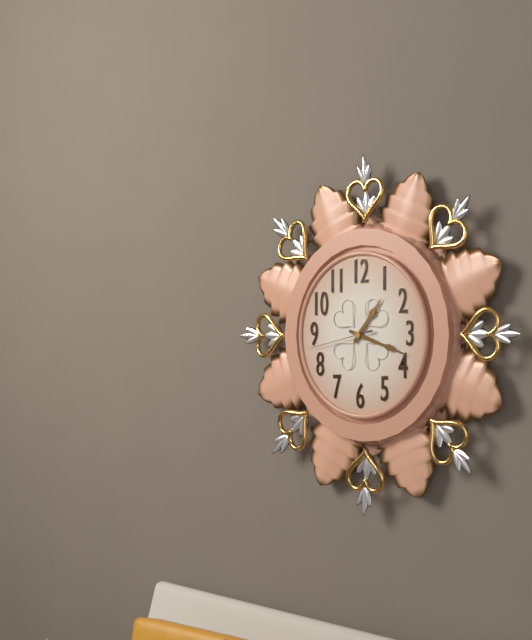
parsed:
1:18:43
